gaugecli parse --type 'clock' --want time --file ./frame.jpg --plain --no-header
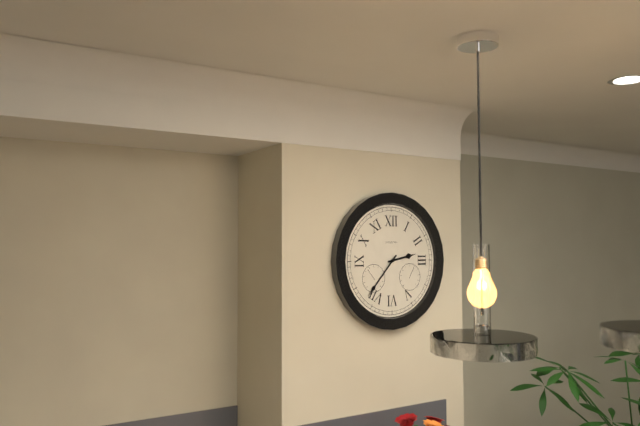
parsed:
2:37
